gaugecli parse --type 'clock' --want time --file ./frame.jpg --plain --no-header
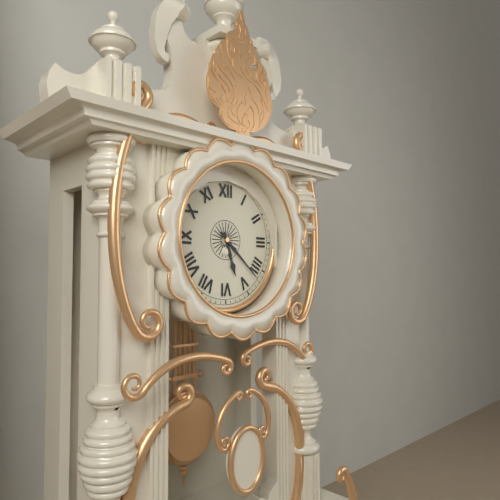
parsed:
5:22
